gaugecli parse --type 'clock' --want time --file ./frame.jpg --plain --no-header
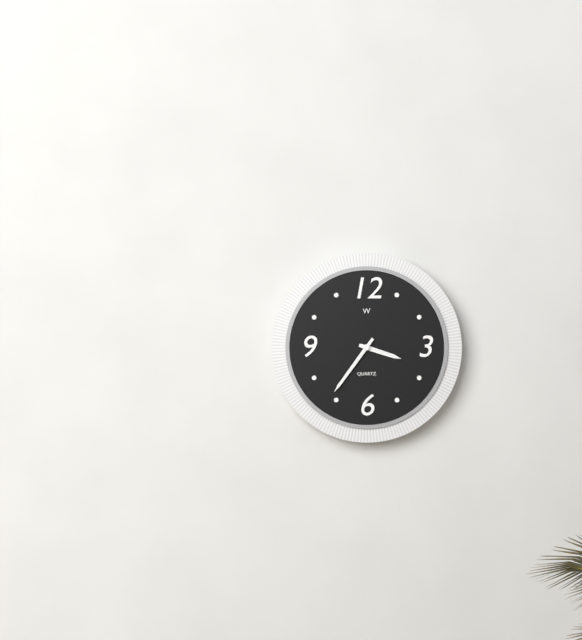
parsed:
3:36
